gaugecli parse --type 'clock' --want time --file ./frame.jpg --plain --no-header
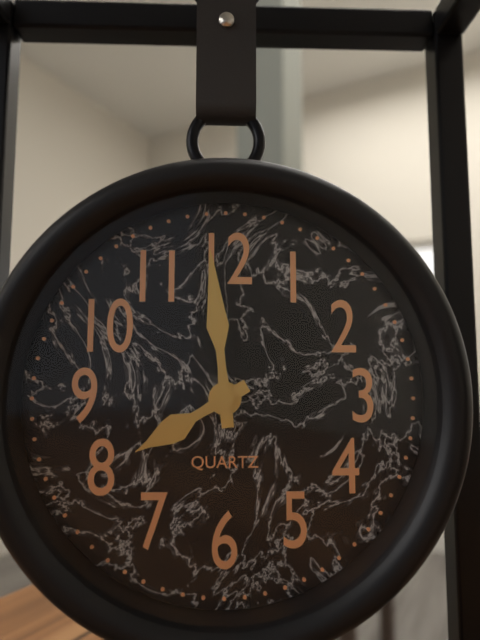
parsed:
7:59
